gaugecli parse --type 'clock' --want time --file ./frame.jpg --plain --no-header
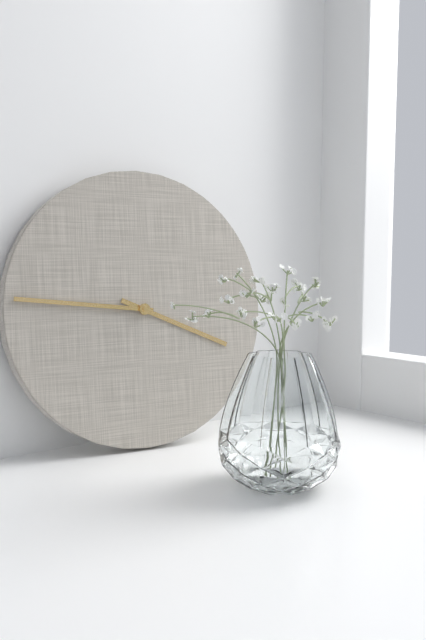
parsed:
3:46
